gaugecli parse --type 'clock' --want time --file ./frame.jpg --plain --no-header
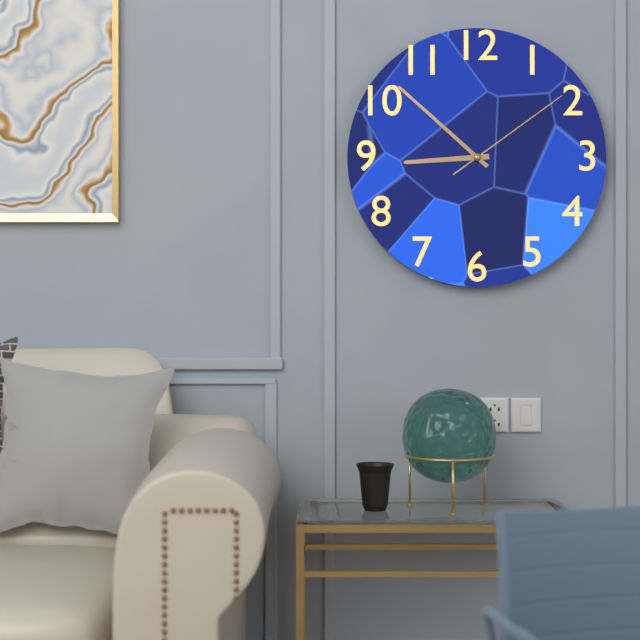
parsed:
8:52:09
